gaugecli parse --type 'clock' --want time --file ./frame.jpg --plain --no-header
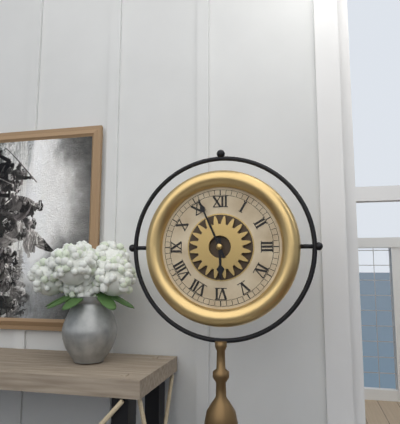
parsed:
5:56
